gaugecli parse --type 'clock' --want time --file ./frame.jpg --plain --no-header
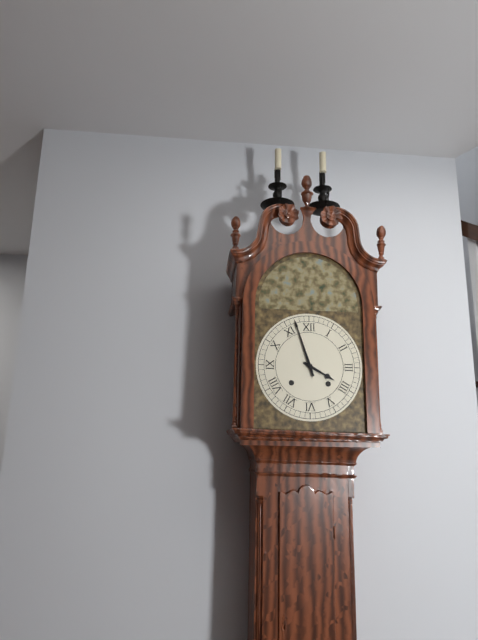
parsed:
3:57
